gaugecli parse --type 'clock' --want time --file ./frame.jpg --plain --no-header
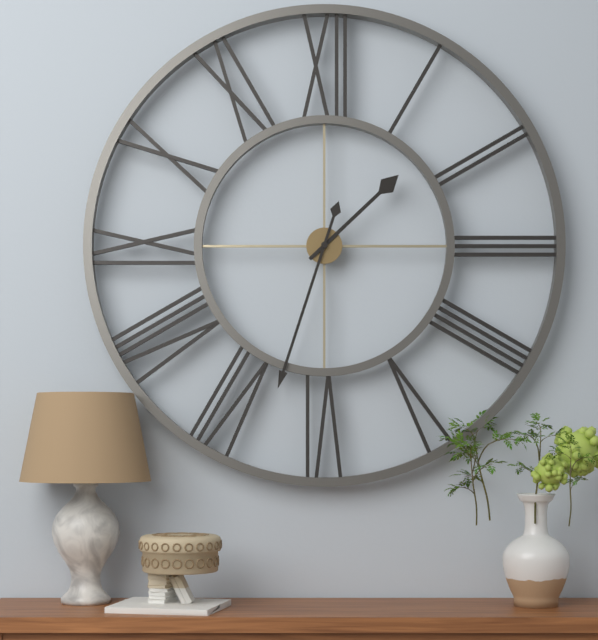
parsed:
1:33
